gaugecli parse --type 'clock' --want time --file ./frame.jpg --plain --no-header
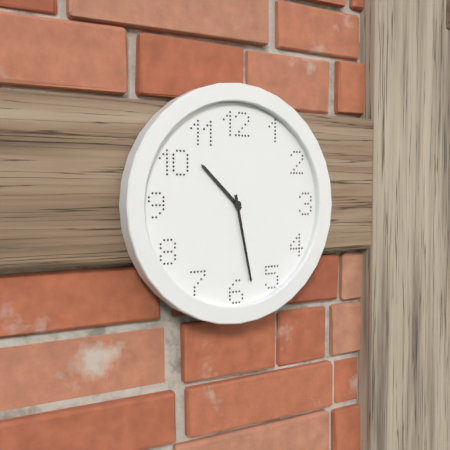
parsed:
10:28
